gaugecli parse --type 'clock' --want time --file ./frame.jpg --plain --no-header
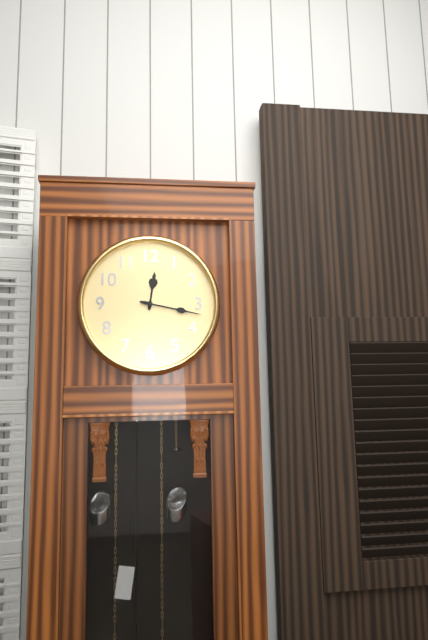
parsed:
12:17
